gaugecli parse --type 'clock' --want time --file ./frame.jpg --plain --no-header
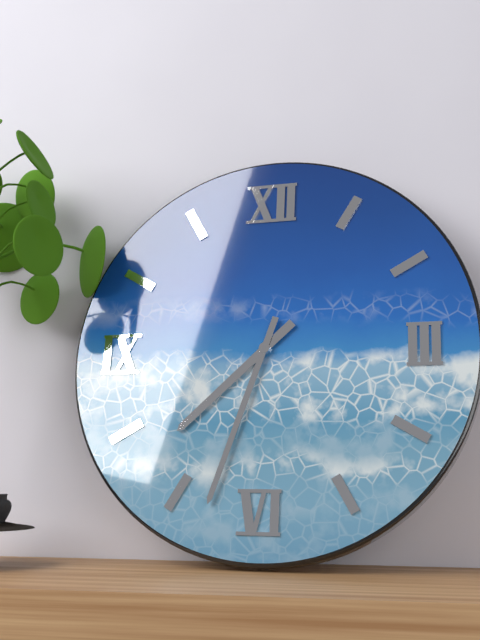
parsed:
7:33
